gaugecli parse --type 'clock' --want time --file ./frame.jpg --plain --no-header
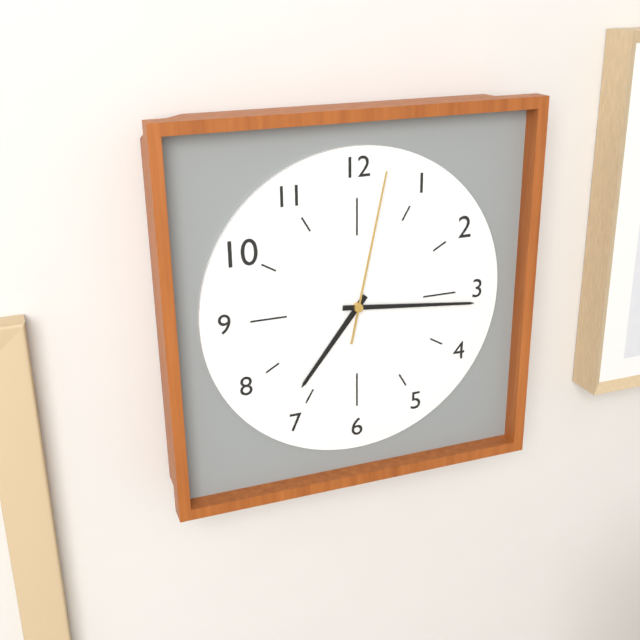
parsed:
7:16:02
